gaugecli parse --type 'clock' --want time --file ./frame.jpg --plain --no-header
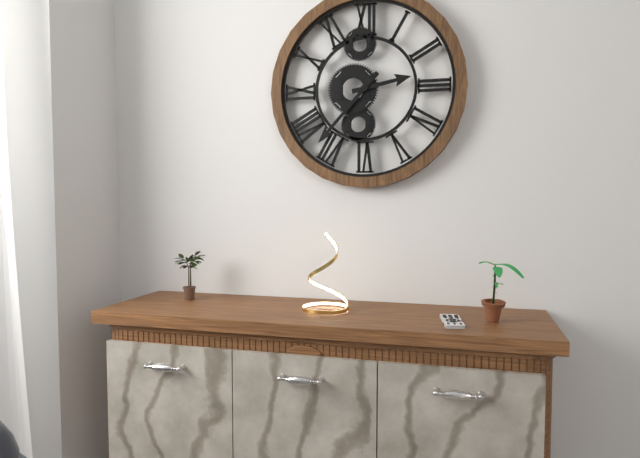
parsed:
2:37
